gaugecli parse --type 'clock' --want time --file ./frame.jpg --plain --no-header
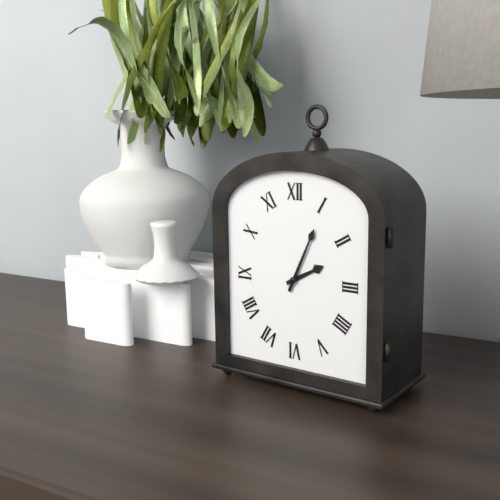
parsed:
2:04
